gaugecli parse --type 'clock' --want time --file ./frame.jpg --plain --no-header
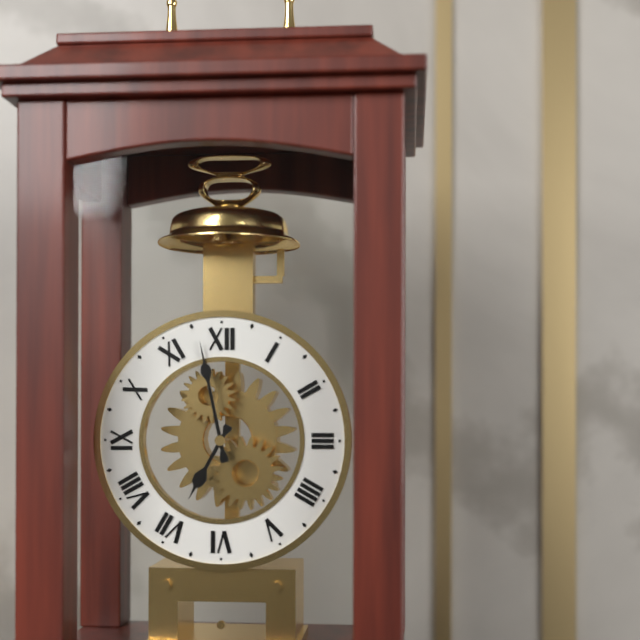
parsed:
6:58
